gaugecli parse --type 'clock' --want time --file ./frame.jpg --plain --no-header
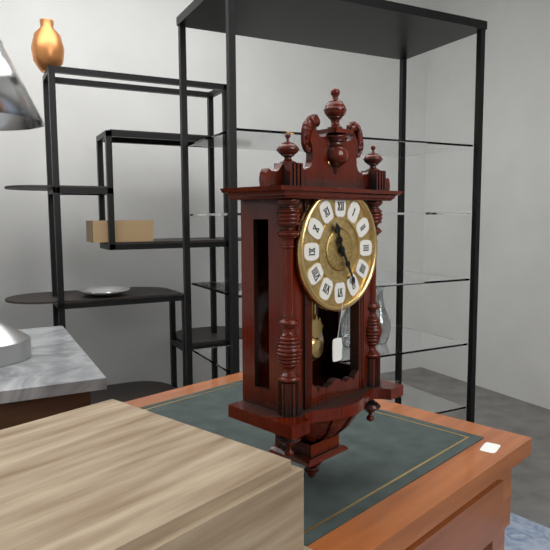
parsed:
11:25
